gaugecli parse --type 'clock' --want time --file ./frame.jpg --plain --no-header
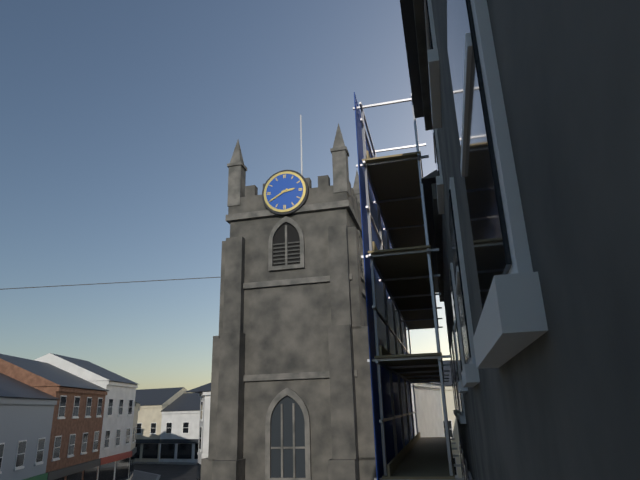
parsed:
2:40
